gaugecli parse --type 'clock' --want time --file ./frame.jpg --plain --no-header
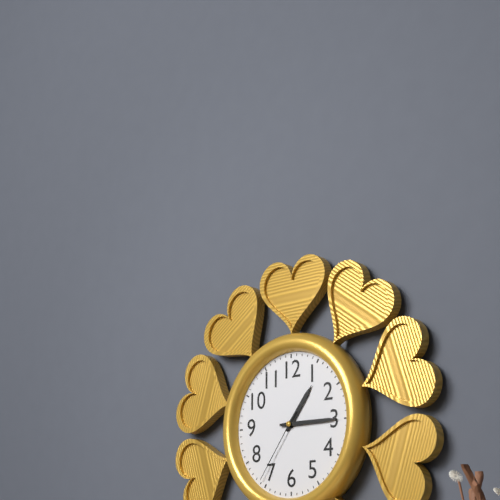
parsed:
1:15:36
